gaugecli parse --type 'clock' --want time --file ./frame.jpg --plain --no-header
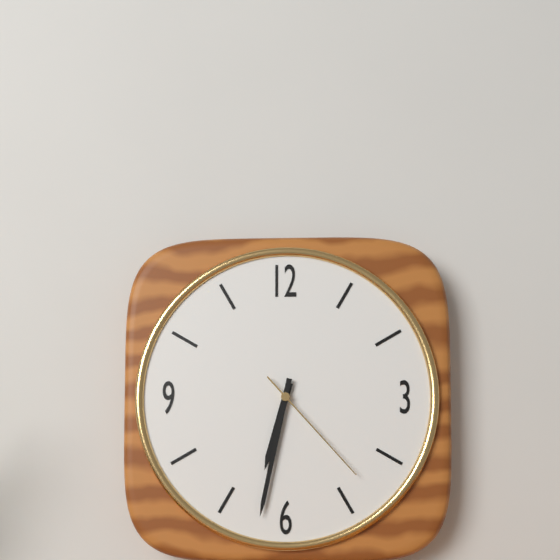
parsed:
6:32:23
